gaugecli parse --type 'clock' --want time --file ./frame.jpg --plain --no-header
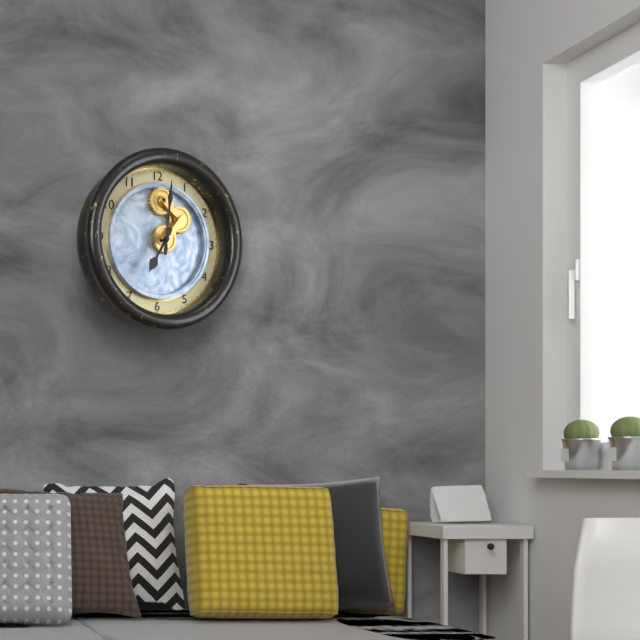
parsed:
7:01
